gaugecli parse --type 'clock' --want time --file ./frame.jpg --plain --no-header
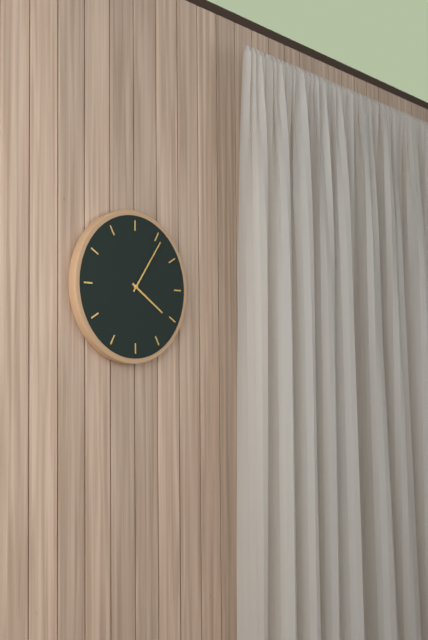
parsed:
4:06
